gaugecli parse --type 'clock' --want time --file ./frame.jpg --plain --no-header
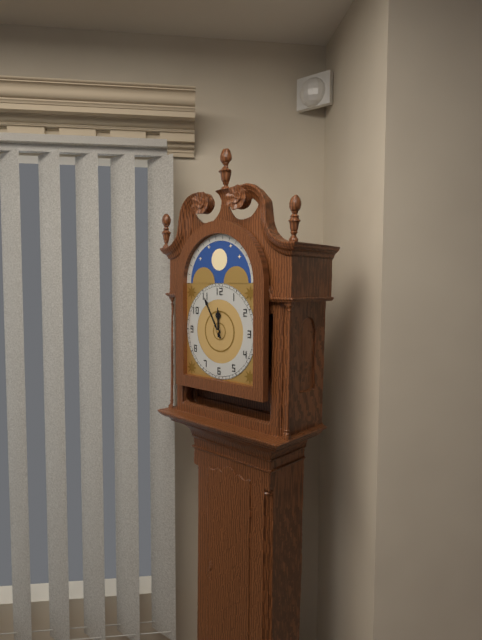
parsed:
11:55
